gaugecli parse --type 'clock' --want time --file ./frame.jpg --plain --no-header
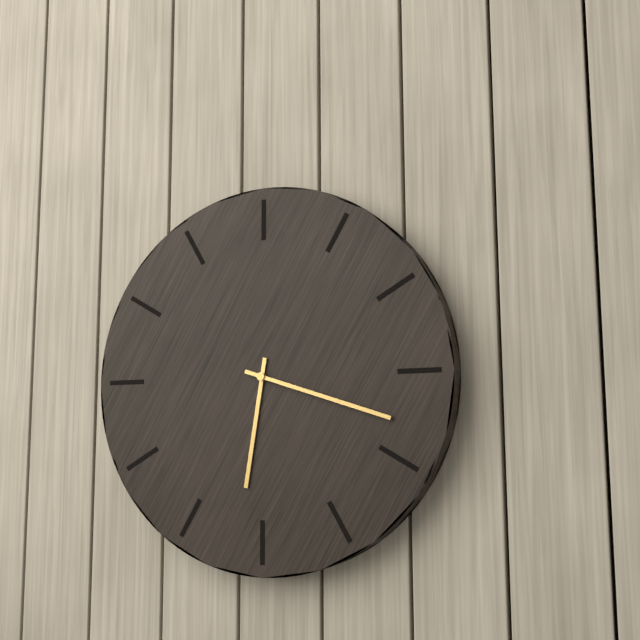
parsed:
6:18
